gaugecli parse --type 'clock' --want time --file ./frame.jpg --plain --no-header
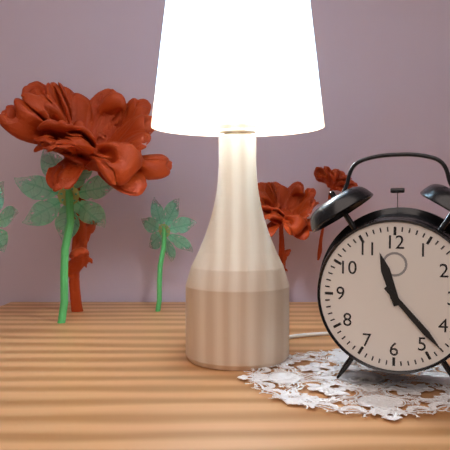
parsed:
11:23
